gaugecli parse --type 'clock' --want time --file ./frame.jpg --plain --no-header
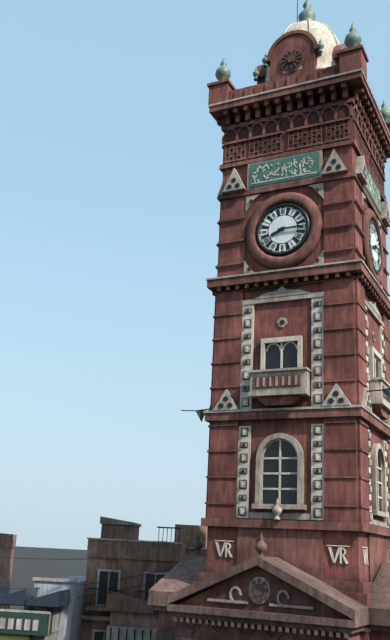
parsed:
8:15
